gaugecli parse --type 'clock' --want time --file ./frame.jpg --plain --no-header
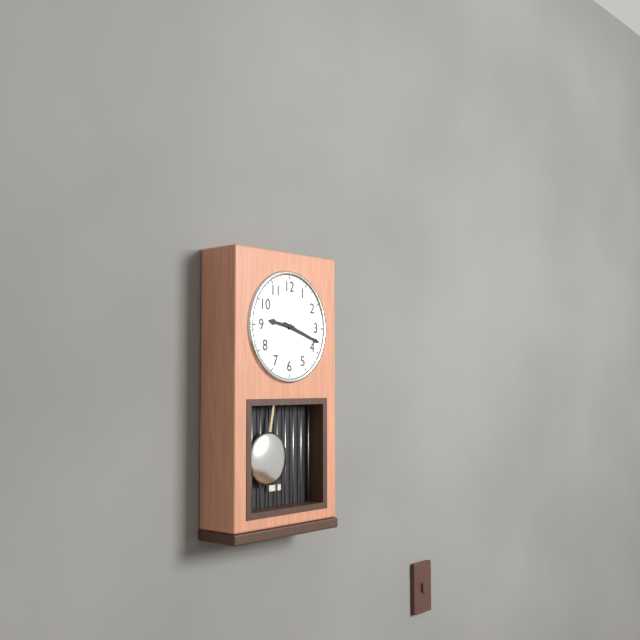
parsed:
9:18
